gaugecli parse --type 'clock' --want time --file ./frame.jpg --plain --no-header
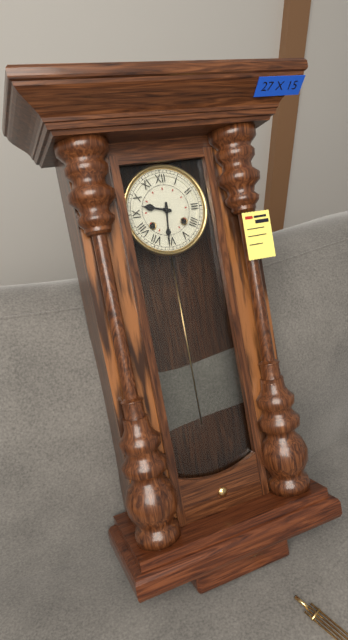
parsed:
9:31
